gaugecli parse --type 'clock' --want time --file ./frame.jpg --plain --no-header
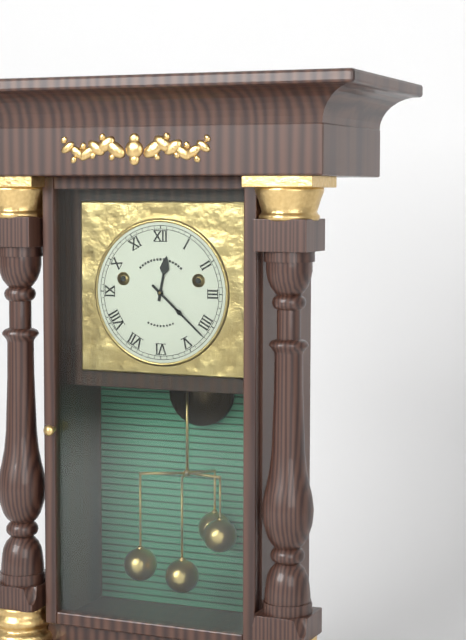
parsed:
12:22
